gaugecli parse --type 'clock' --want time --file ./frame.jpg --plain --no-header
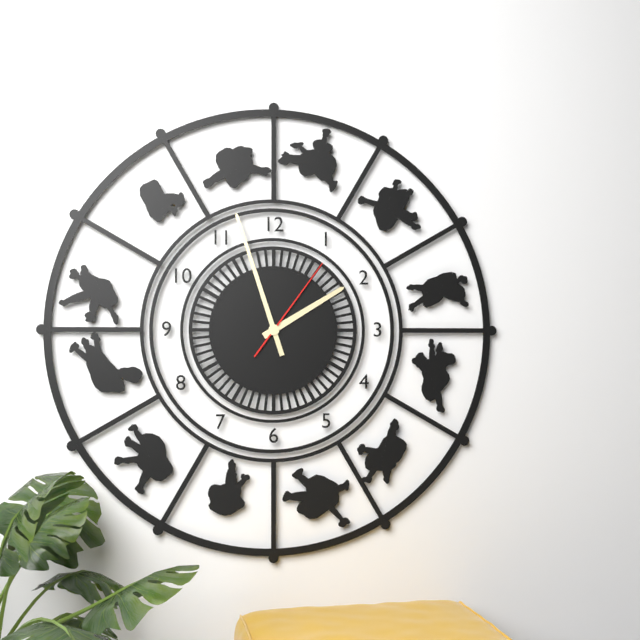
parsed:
1:57:06
